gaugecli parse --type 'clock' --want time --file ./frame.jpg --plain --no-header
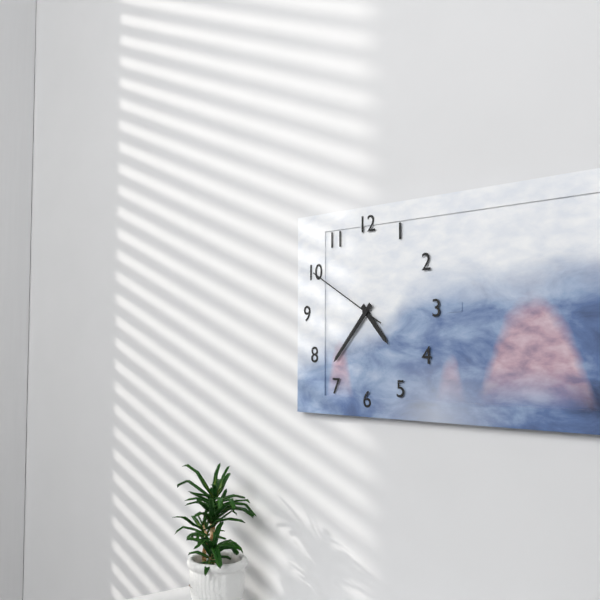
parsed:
4:37:50
